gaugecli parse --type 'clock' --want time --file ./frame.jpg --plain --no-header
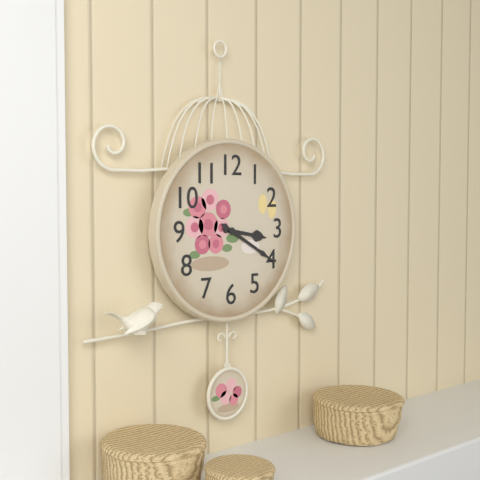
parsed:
3:20
